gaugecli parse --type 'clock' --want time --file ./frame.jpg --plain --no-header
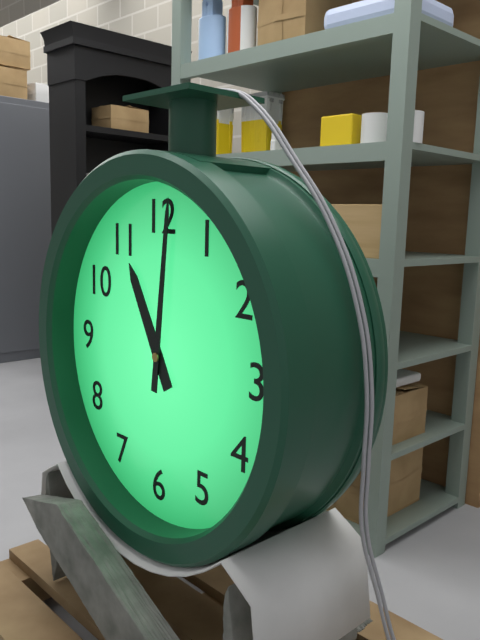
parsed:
11:01
